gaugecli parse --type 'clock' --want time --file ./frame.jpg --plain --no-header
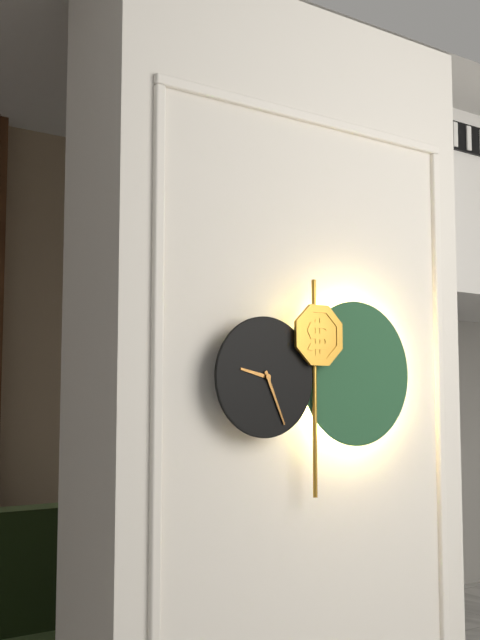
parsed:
9:26
